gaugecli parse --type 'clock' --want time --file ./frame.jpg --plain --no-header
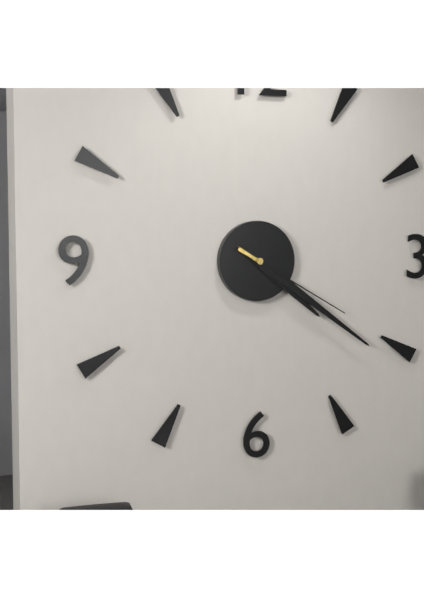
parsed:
4:21:20
